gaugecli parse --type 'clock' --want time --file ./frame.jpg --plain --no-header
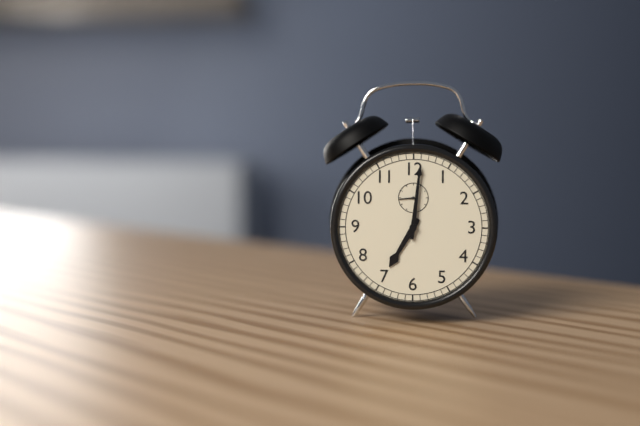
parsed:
7:01
